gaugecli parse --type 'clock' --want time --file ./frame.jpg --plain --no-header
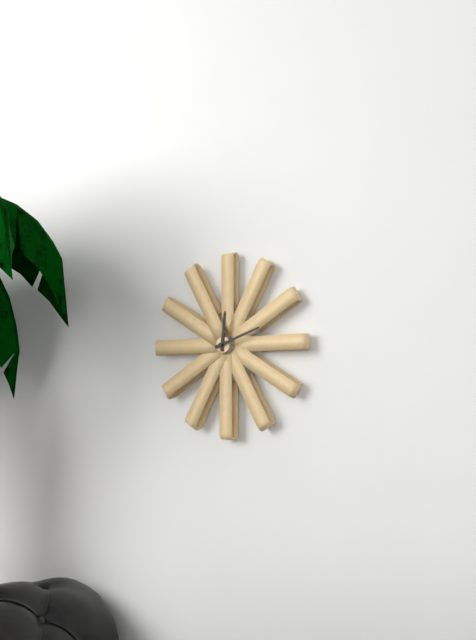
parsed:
12:12
